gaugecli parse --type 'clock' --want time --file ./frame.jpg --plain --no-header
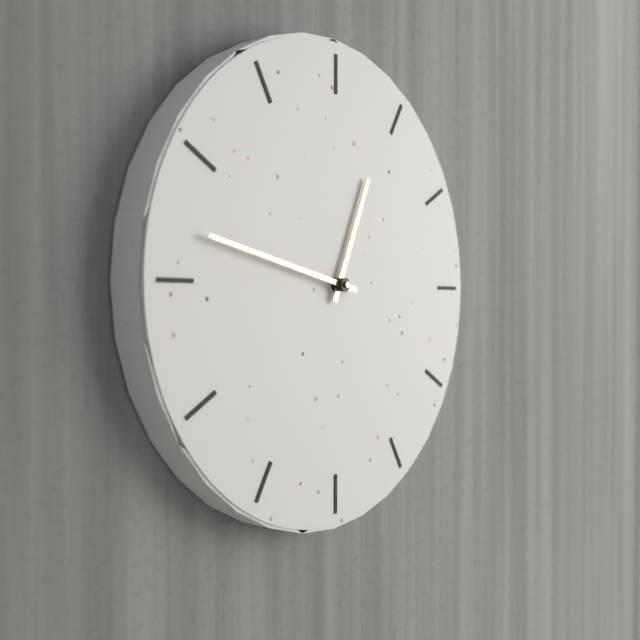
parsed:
12:47
